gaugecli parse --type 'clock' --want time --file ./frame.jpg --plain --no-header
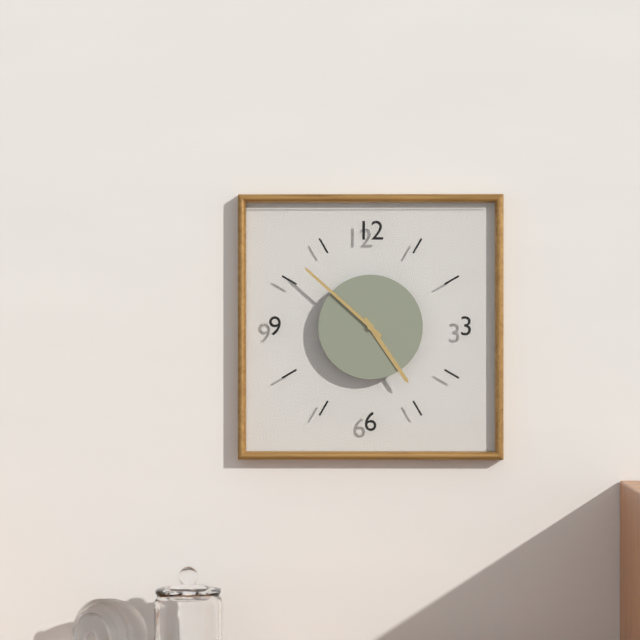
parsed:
4:52
